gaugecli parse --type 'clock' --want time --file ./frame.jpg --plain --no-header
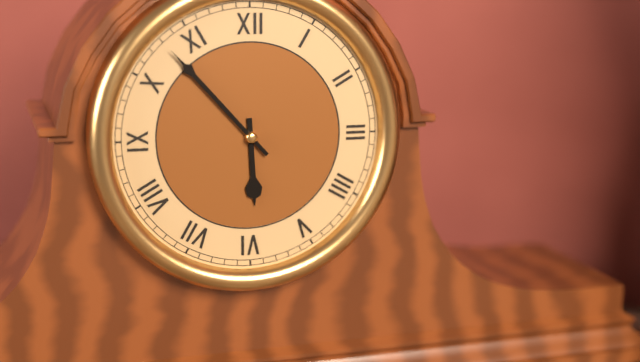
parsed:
5:53
